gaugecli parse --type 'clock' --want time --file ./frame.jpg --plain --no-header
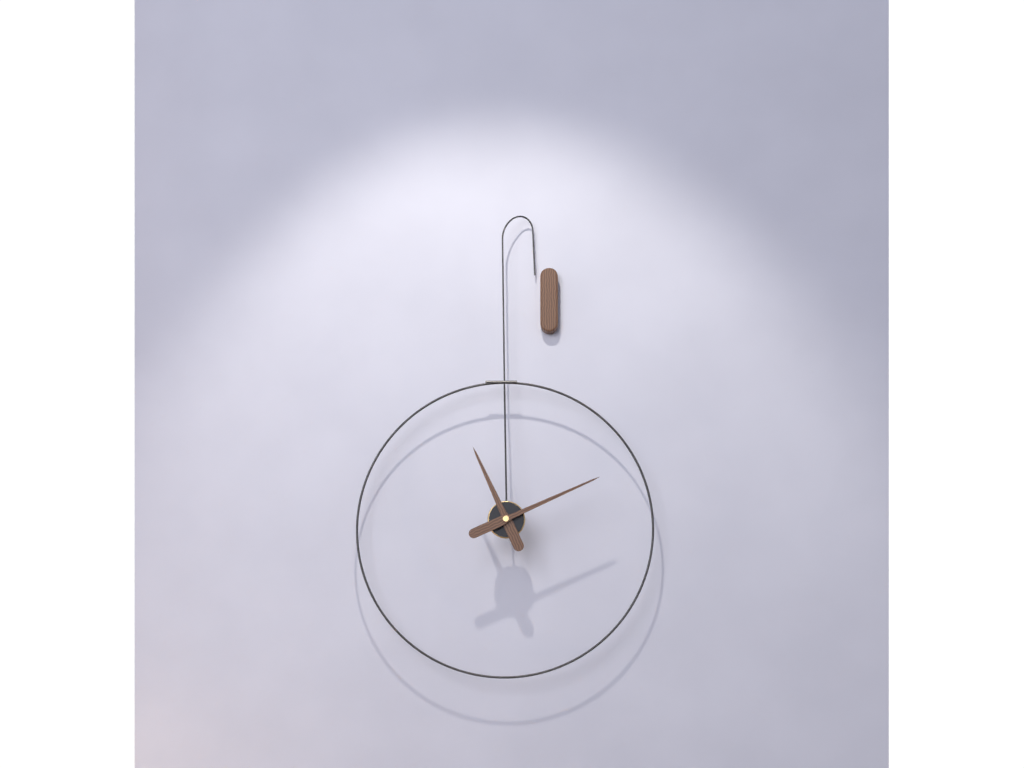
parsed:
11:11
